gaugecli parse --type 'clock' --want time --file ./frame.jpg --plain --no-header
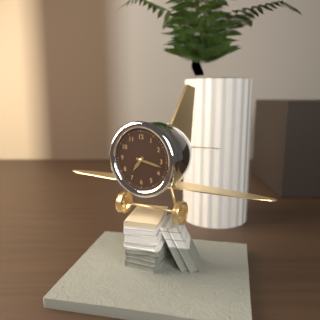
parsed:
7:17
